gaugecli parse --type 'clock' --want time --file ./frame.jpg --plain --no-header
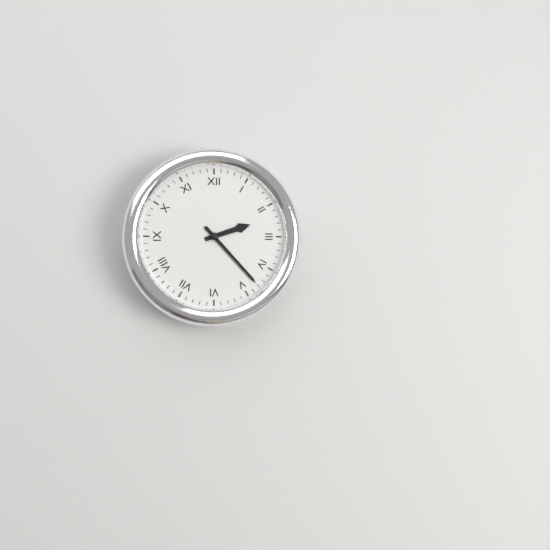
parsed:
2:23
